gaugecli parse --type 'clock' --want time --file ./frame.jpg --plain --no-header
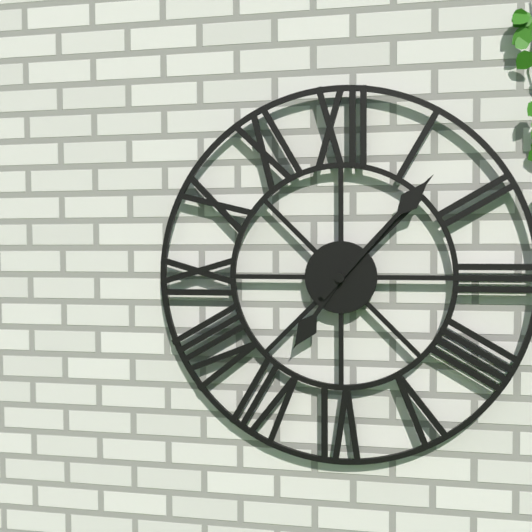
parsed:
7:07
